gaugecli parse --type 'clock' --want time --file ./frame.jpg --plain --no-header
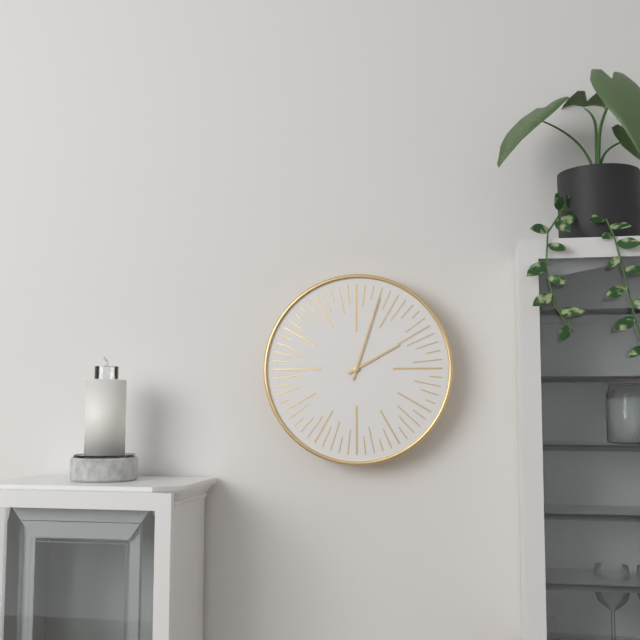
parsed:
2:03
